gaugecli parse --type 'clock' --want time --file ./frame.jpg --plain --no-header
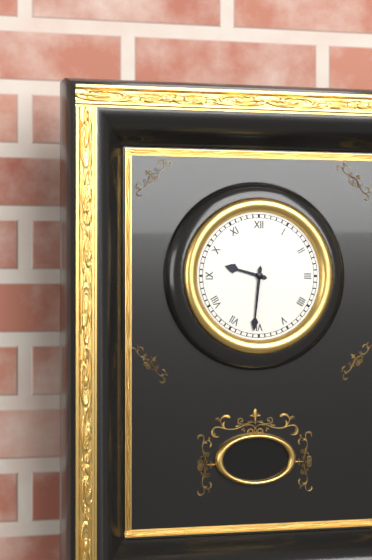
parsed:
9:31
